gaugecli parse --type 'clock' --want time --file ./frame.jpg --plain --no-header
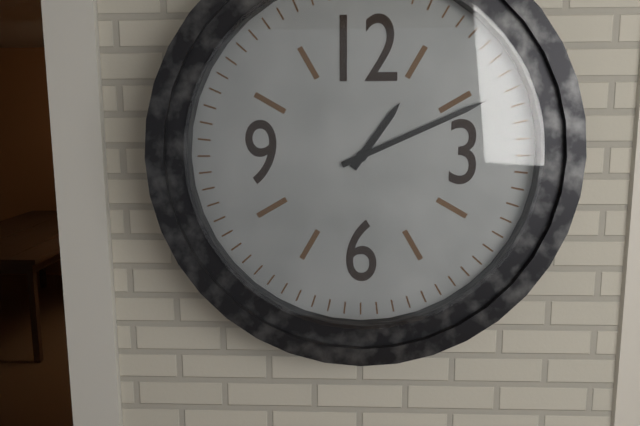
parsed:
1:11
